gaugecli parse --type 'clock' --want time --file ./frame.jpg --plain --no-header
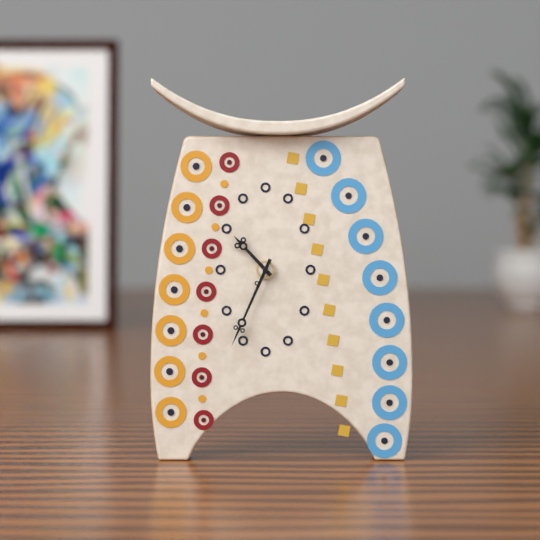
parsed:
10:34
